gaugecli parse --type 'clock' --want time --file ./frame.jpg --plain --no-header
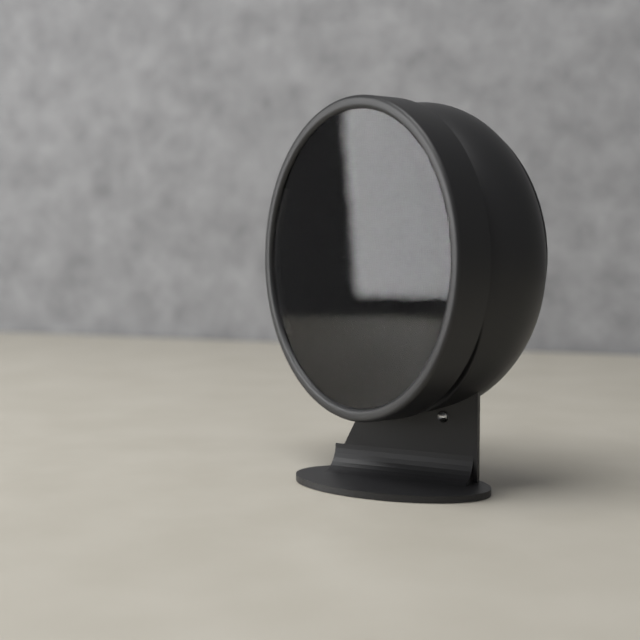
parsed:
9:24:15
